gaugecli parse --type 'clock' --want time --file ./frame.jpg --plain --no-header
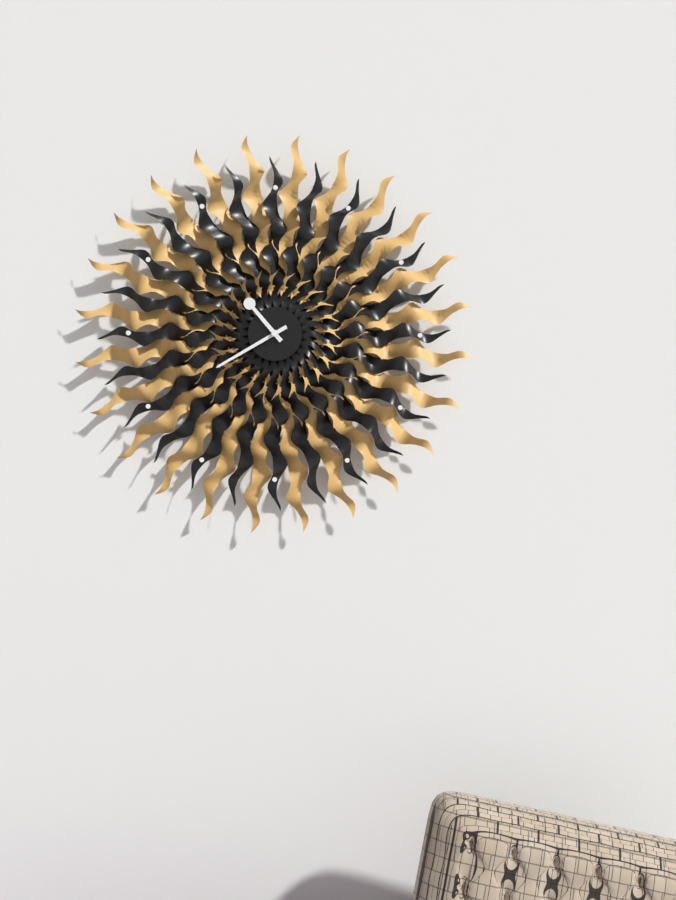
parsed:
10:40
